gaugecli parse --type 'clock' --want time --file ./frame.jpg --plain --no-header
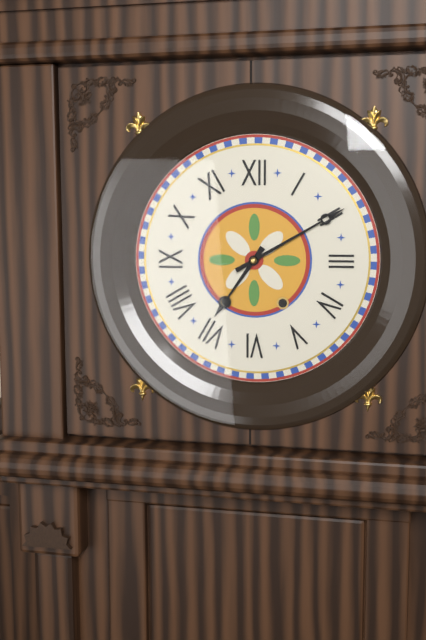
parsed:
7:10
